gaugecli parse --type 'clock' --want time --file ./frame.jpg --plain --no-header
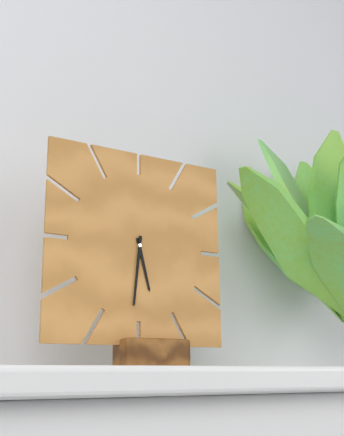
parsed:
5:31
